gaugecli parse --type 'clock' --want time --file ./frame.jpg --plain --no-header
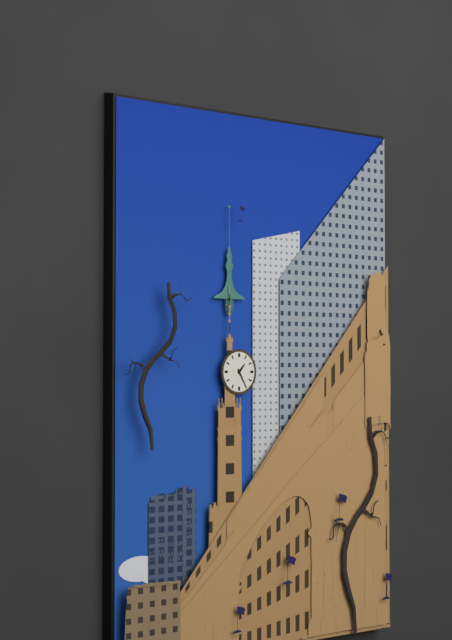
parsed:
1:25
